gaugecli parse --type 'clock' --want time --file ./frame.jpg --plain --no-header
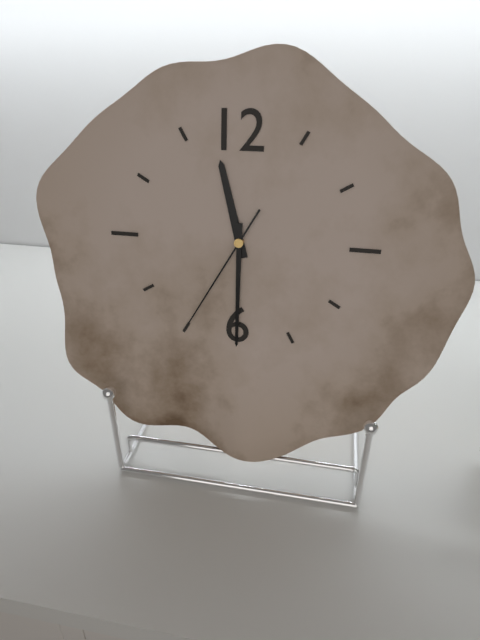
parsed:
11:30:35
